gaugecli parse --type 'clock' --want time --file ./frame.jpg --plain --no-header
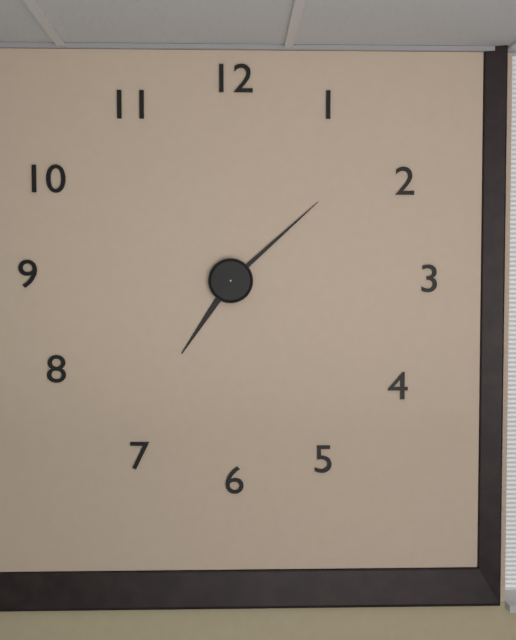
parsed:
7:08
